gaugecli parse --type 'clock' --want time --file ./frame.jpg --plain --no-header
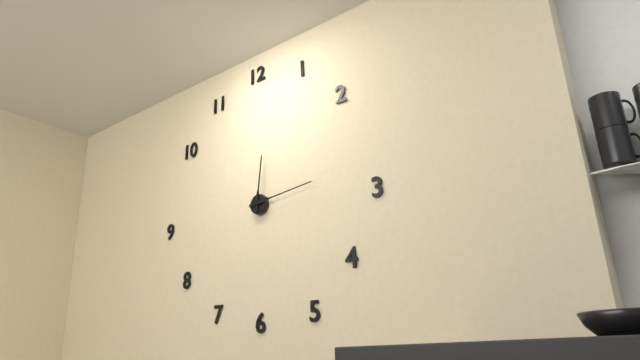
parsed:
12:14
